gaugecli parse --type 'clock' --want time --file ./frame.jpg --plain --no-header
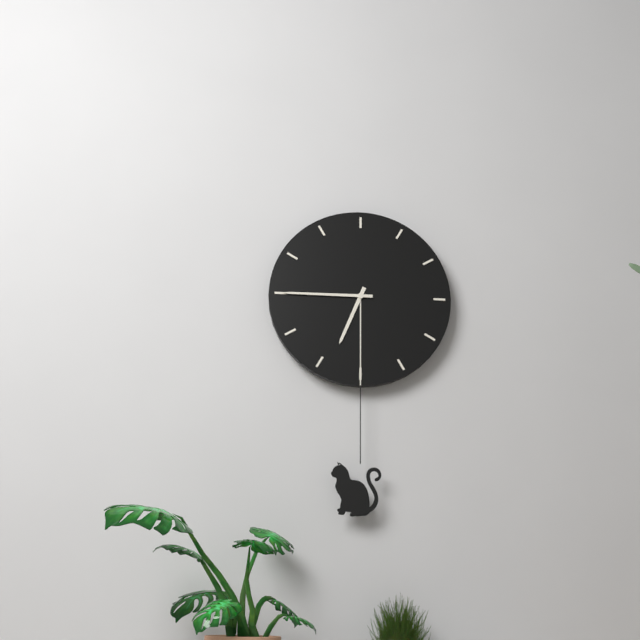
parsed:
6:45
